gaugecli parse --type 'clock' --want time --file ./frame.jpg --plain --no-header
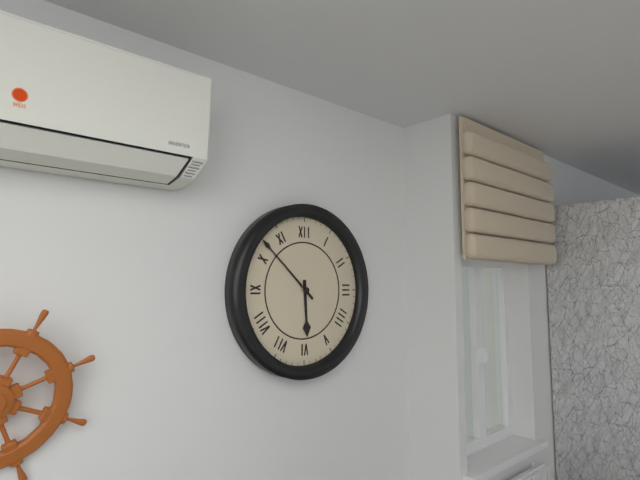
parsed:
5:52
